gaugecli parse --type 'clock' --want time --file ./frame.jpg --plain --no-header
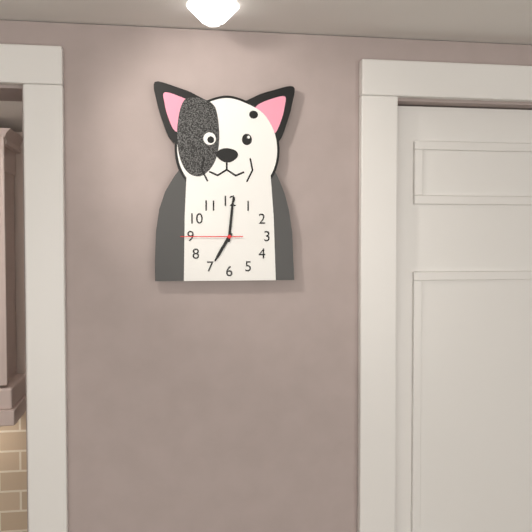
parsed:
7:01:45
